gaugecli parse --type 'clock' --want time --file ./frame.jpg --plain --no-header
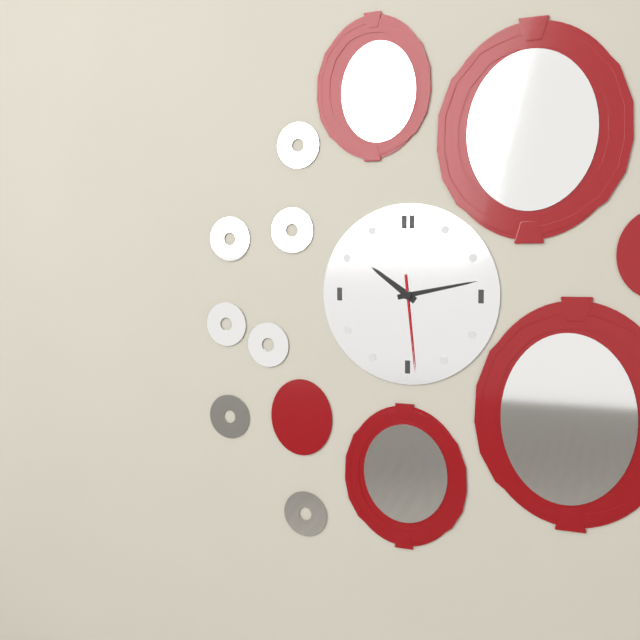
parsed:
10:13:29
